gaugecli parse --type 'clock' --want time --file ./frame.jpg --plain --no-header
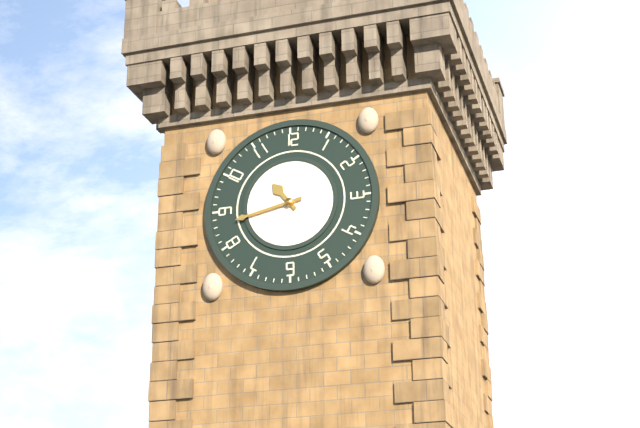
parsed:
10:43
